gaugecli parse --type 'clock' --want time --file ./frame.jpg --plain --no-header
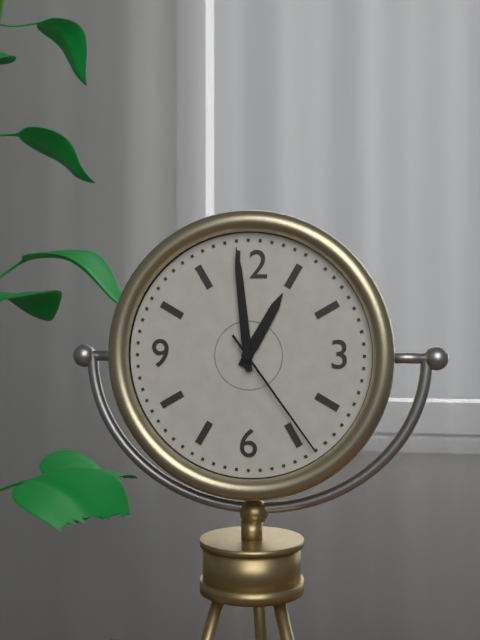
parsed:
12:59:24
